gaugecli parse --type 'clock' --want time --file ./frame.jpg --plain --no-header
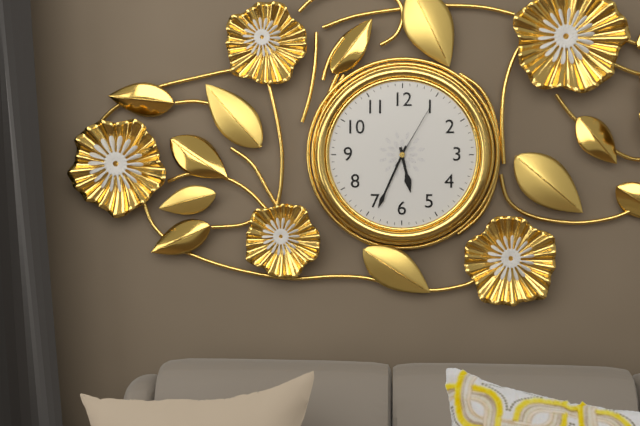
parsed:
5:34:05
